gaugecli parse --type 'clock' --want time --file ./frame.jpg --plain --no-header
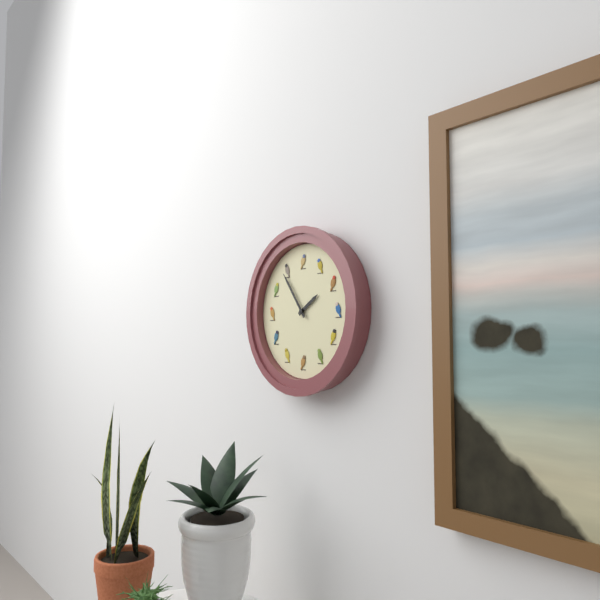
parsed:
1:54
